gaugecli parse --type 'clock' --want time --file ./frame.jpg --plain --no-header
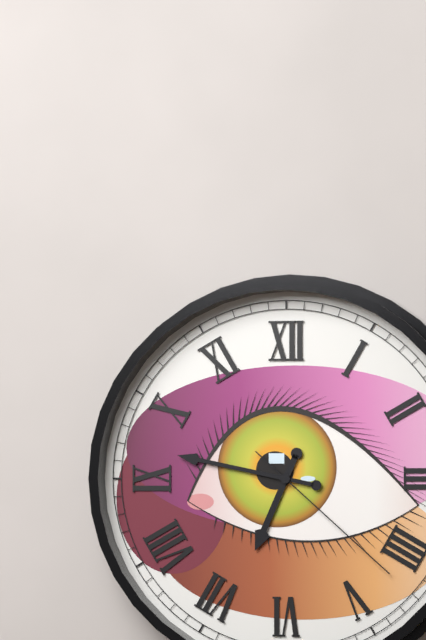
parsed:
6:47:22
